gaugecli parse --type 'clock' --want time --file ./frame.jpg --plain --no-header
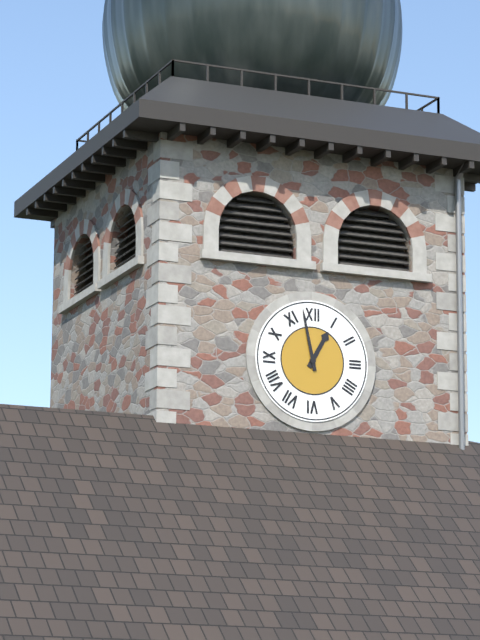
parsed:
12:58
